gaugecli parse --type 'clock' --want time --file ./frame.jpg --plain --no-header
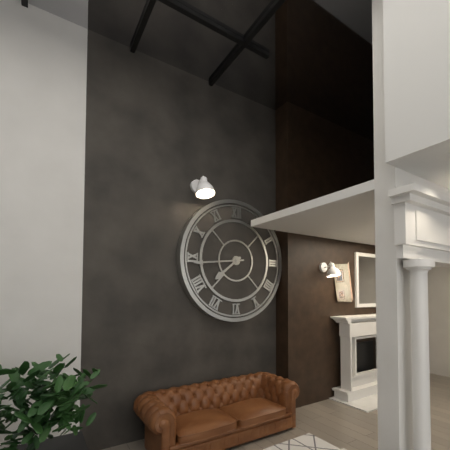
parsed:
7:44
